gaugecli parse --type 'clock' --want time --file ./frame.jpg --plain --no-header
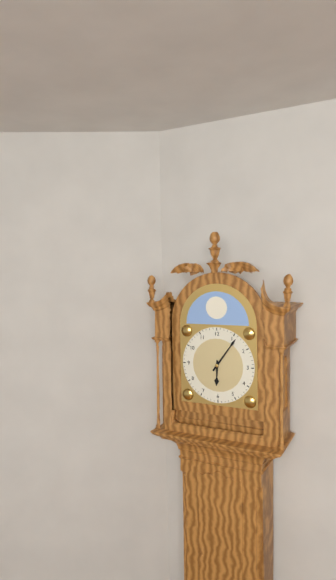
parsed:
6:06
